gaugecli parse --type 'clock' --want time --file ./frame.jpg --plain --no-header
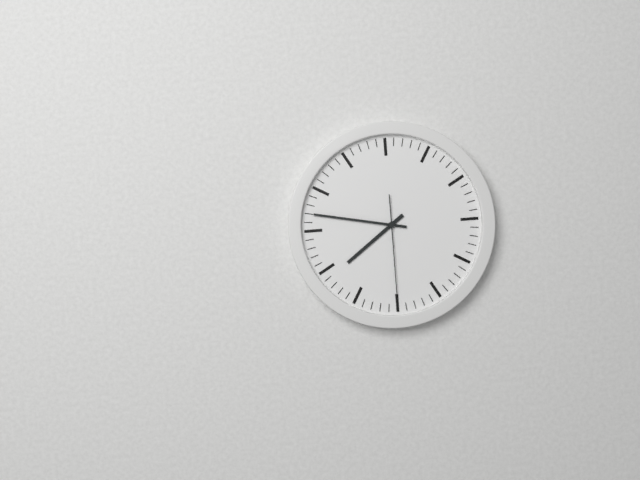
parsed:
7:47:30
